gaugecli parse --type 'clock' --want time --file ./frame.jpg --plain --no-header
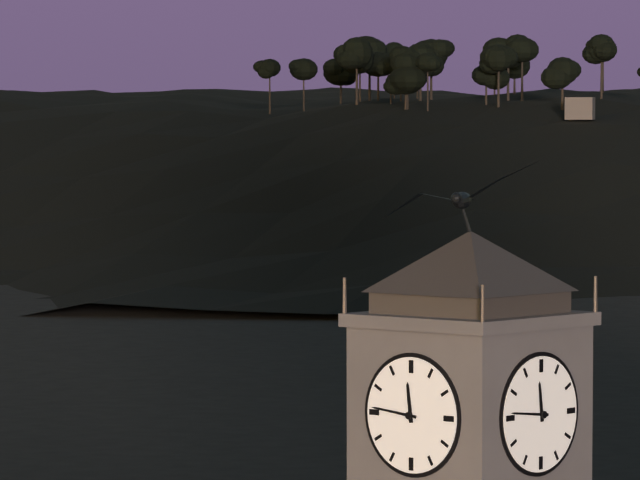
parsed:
11:46
